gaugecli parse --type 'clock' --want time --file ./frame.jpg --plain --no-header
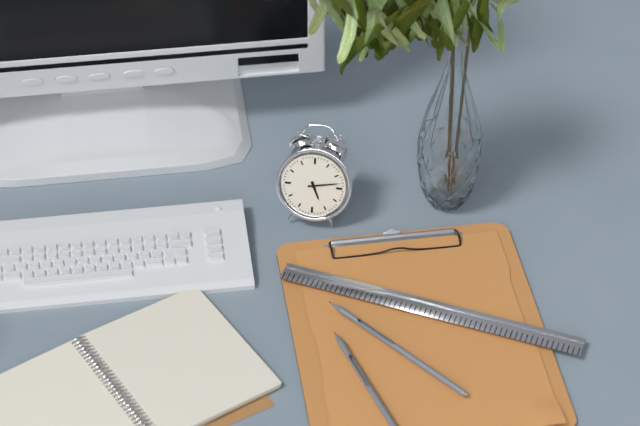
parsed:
5:13
